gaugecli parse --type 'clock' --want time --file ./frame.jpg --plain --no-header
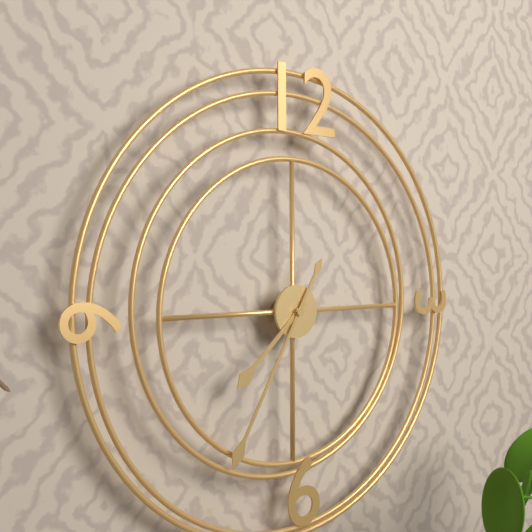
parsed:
7:35
